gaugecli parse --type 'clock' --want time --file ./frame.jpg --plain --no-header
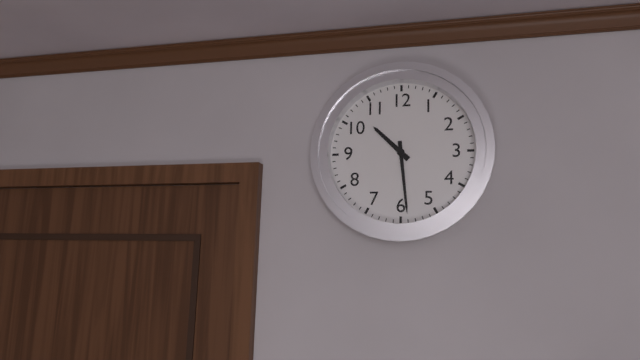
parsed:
10:29
